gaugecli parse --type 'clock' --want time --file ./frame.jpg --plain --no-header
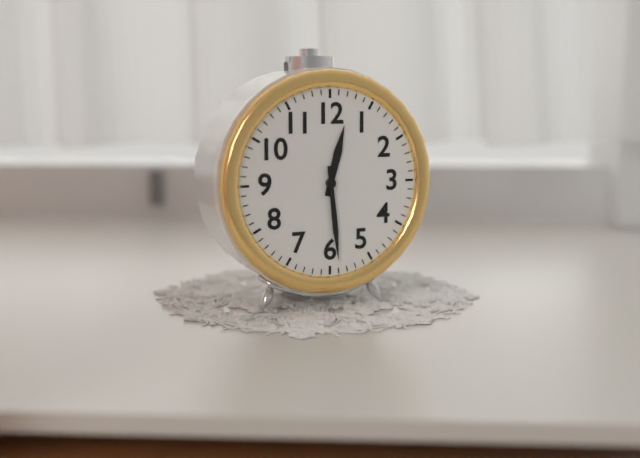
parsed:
12:29
